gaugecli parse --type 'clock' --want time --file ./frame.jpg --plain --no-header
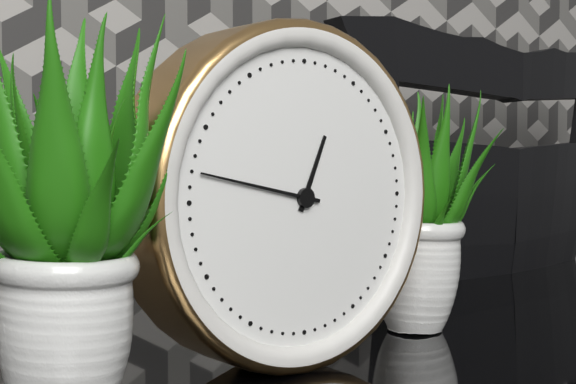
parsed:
12:47
